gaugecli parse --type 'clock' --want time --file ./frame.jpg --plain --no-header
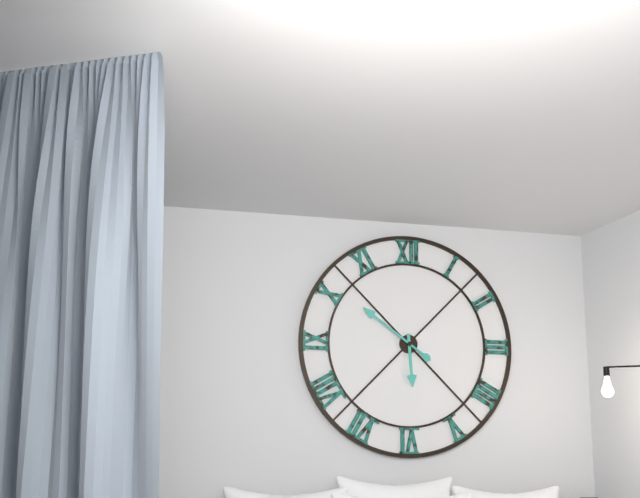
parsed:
5:51
